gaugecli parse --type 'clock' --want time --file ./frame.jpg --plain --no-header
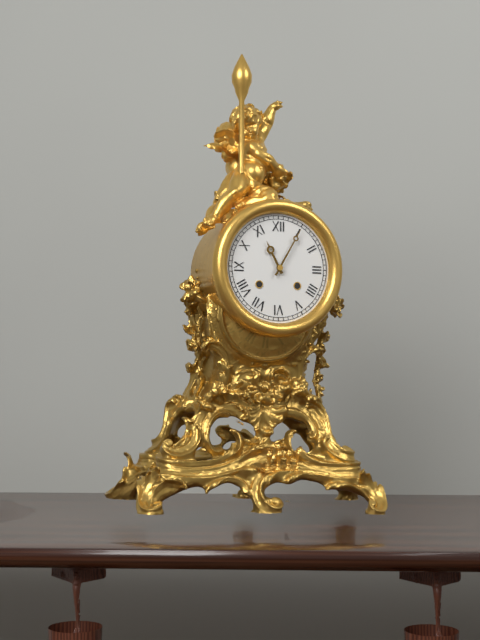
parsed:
11:05
